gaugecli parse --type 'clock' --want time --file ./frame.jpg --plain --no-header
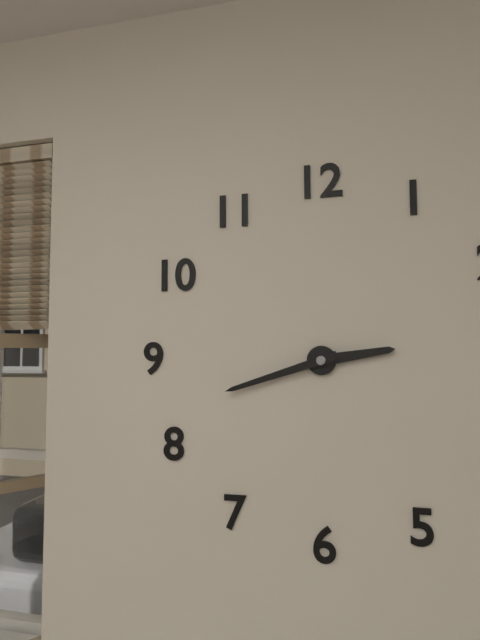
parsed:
2:42
